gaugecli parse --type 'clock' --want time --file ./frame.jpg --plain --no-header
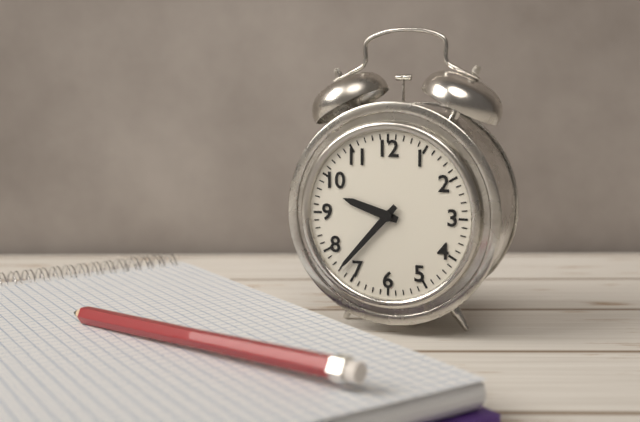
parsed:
9:37
